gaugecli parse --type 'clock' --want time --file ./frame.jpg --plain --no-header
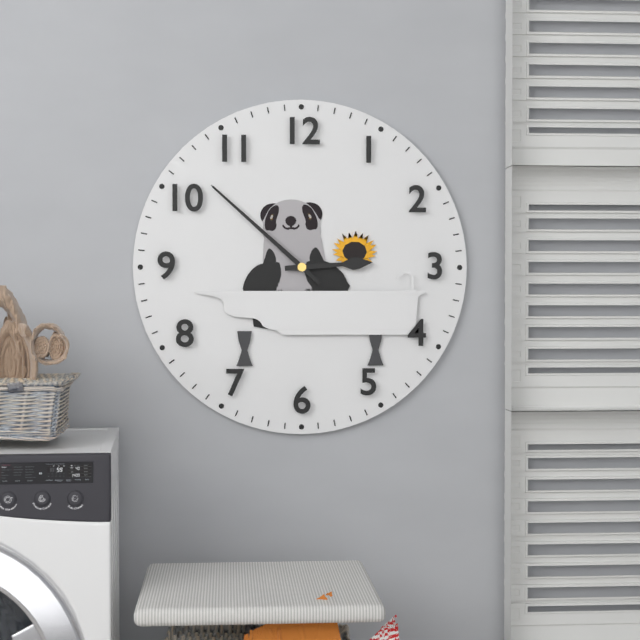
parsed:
2:52
